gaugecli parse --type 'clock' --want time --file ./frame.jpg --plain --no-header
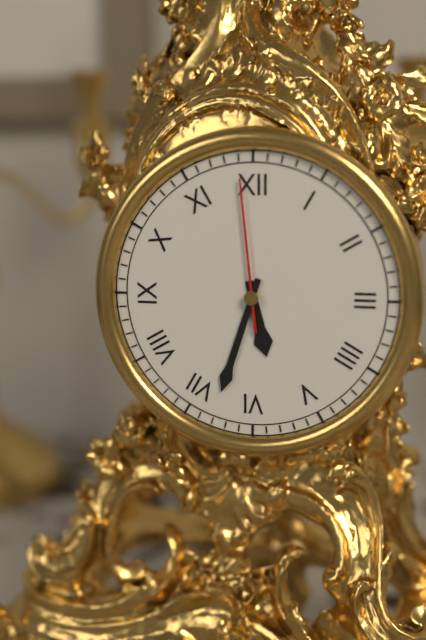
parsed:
5:33:59
